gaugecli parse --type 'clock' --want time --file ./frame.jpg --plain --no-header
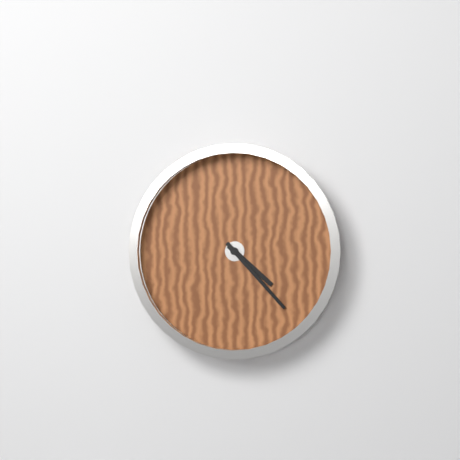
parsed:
4:23
